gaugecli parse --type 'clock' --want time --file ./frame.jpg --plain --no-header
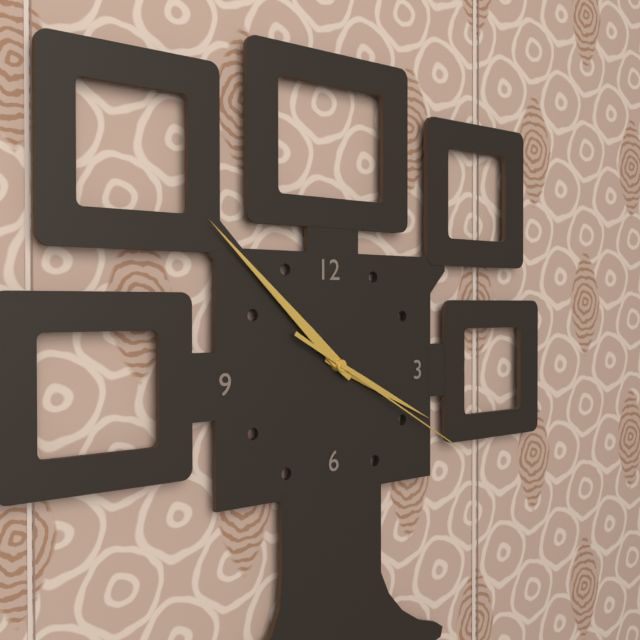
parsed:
3:52:20
